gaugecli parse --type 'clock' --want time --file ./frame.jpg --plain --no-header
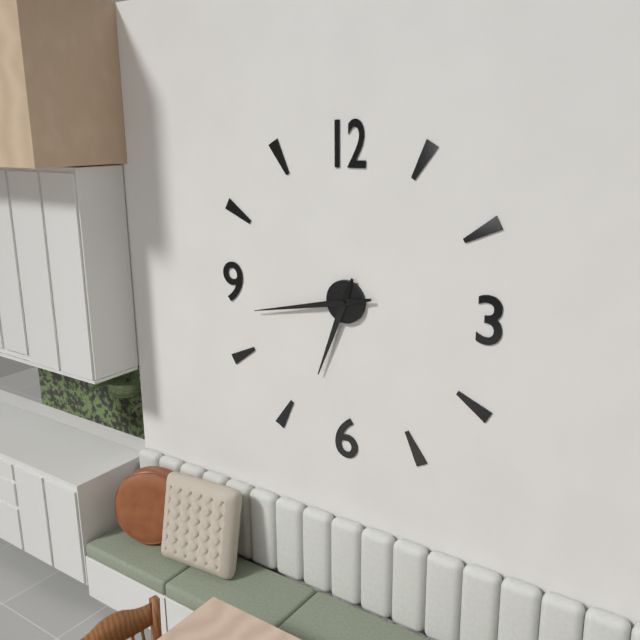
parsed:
6:43
